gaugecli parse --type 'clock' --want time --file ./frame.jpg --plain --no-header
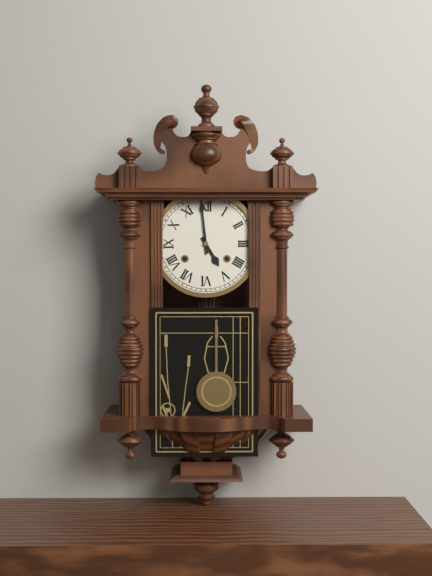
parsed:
4:59
